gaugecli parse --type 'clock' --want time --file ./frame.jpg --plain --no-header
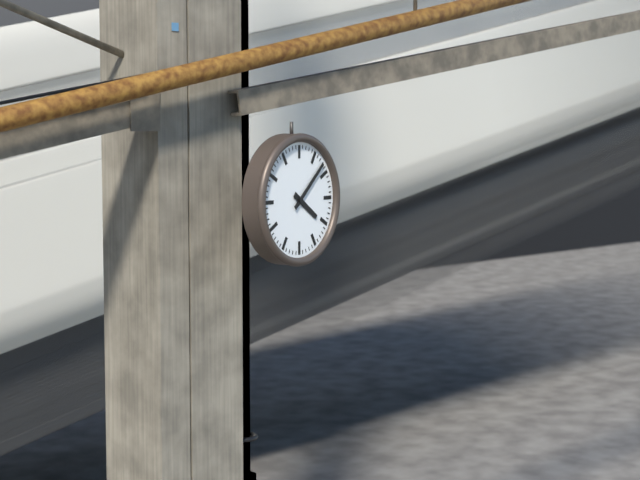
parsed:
4:08
